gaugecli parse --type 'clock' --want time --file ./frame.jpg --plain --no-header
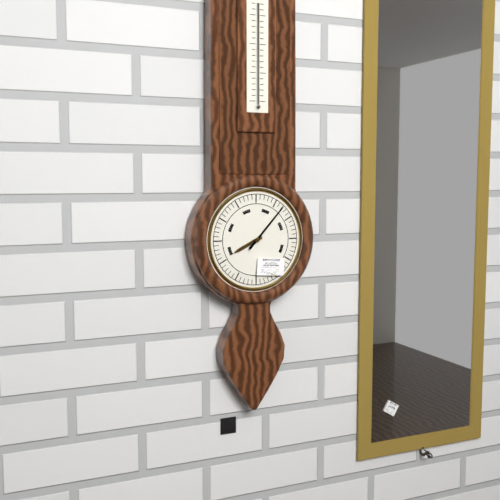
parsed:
8:07
